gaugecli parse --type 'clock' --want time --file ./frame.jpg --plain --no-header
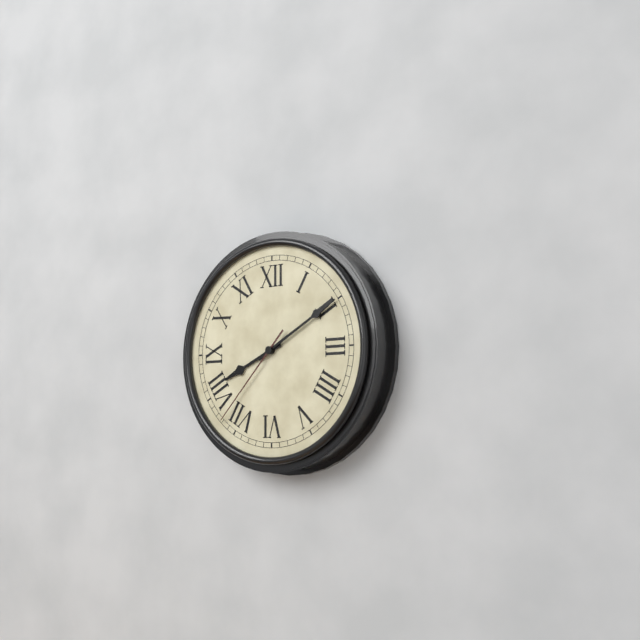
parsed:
8:10:37
